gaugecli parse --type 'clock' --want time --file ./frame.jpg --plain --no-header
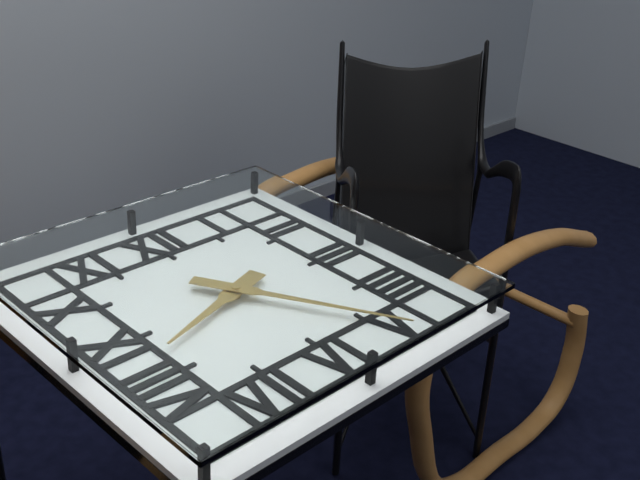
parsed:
8:25
